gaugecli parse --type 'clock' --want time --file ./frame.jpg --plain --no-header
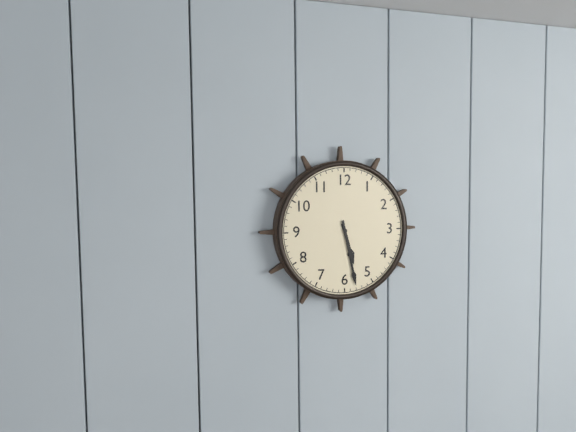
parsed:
5:28
